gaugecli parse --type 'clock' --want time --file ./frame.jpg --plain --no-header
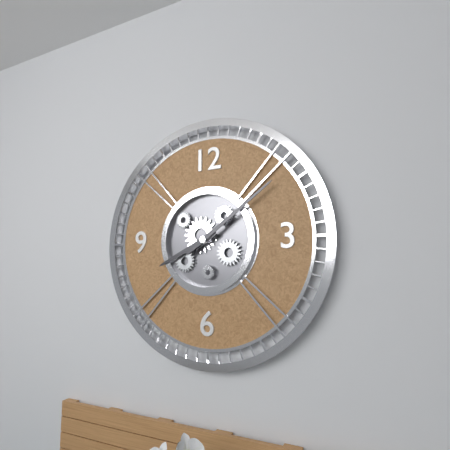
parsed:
8:09
